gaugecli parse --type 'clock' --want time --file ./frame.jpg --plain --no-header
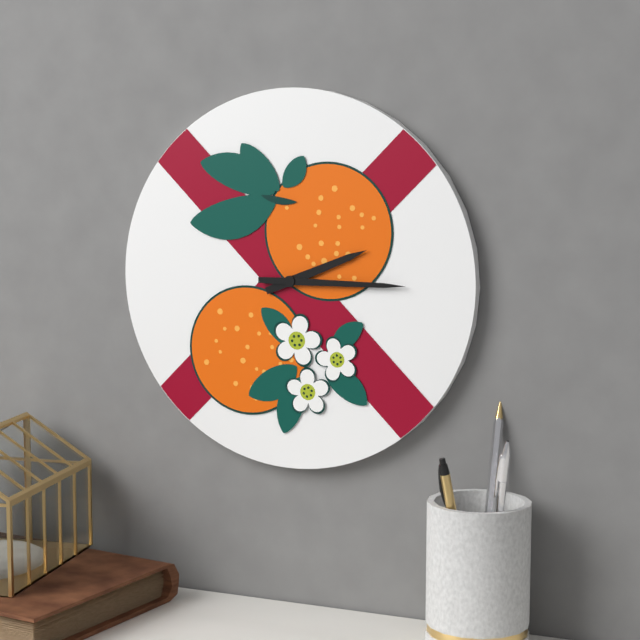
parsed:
2:15
